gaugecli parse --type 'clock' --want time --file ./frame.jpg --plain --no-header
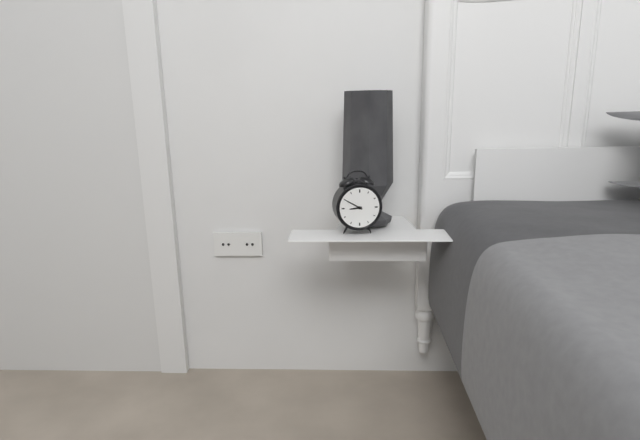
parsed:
8:50
